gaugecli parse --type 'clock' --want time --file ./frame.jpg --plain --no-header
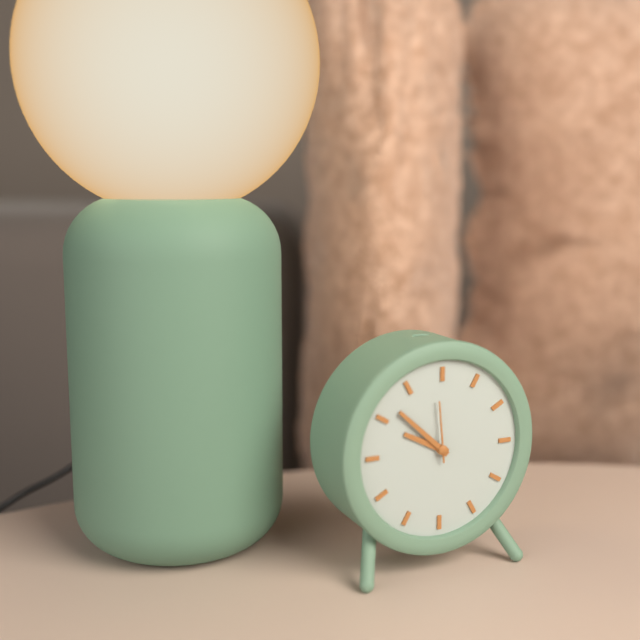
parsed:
9:52:59
